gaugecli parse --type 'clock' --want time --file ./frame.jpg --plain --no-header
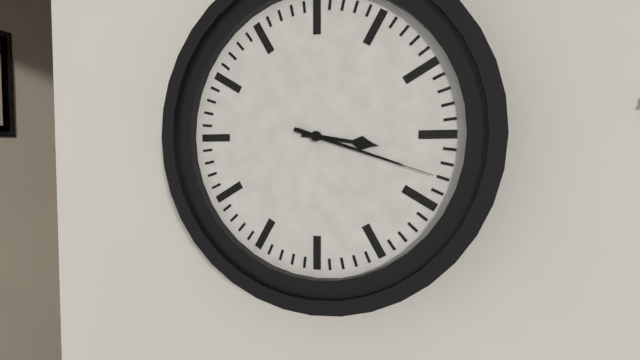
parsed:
3:18:18
